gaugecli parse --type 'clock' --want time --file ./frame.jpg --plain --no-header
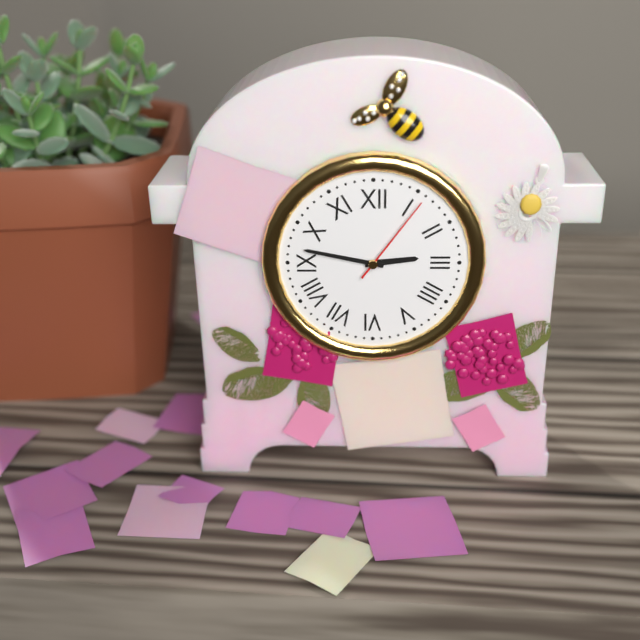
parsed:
2:47:06
